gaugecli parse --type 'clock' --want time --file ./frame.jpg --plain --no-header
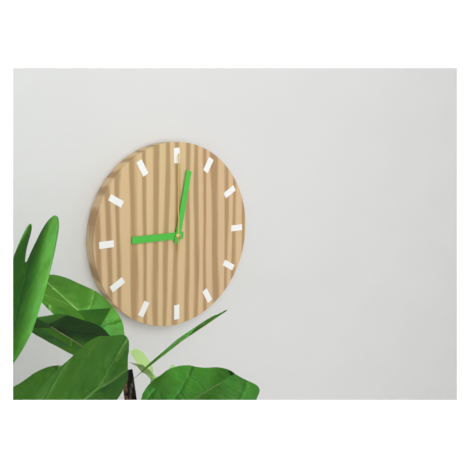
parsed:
9:02:00
